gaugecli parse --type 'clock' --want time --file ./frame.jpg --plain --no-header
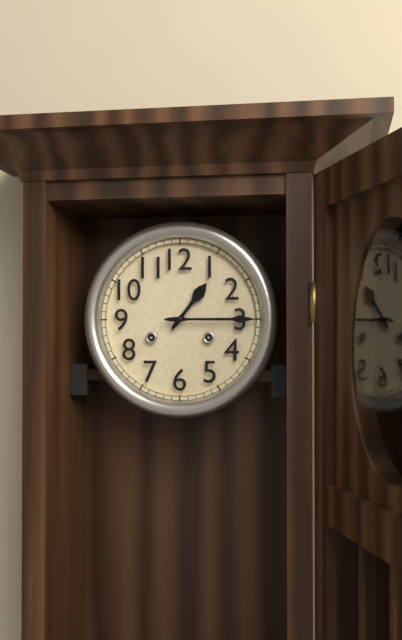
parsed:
1:15
